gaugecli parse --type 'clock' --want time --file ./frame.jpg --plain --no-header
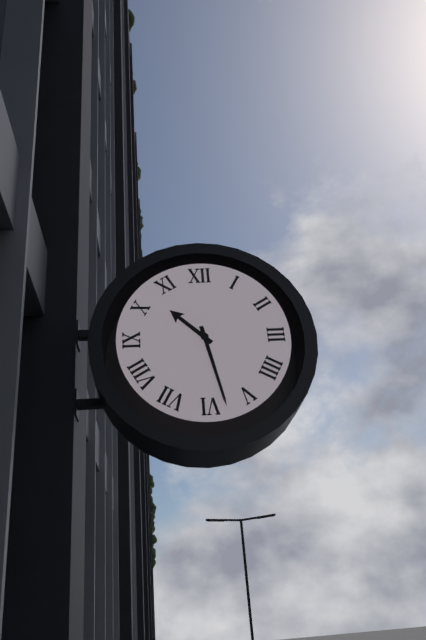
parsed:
10:28
